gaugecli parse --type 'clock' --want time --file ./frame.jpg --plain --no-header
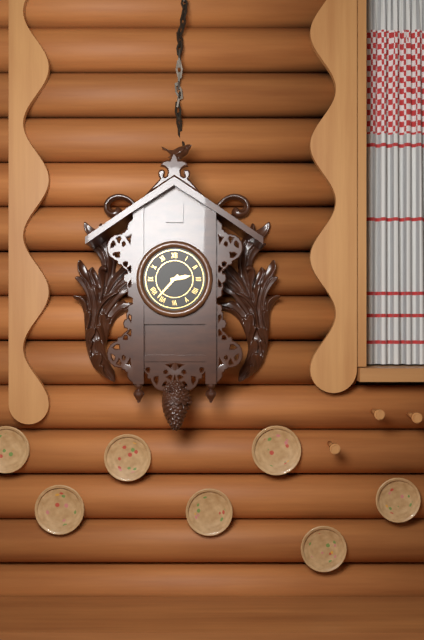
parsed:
2:37
